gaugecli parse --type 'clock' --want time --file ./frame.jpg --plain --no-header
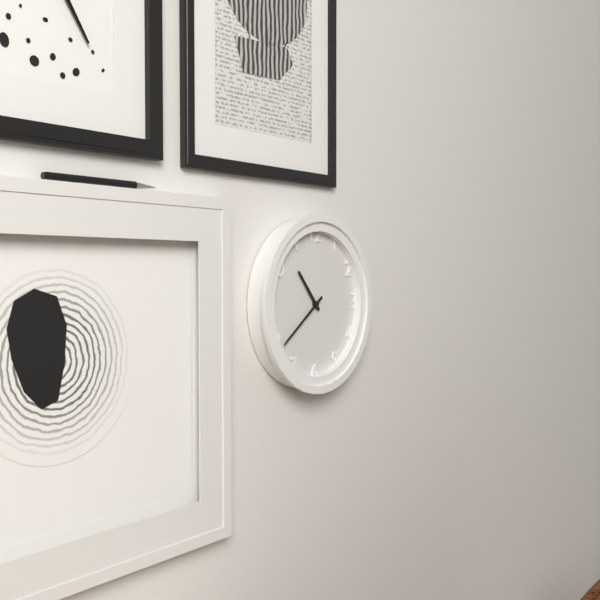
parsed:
10:39
